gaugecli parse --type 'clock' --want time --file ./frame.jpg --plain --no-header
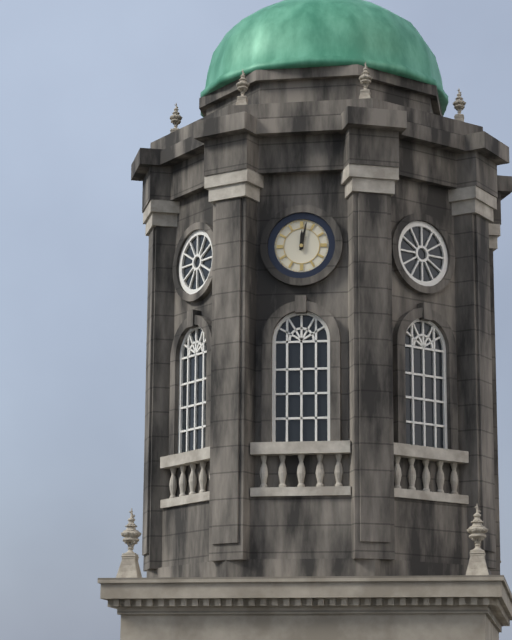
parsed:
12:02
